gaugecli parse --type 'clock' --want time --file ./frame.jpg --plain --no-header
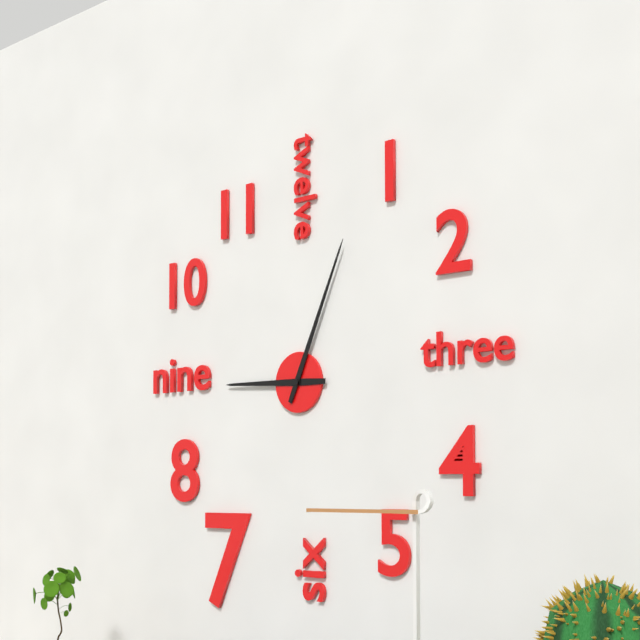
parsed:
9:04
